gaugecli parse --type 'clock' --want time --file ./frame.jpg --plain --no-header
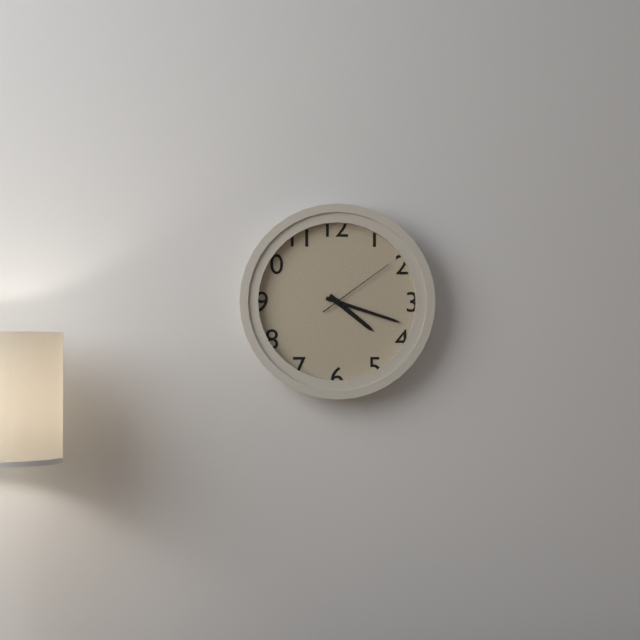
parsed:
4:18:09
